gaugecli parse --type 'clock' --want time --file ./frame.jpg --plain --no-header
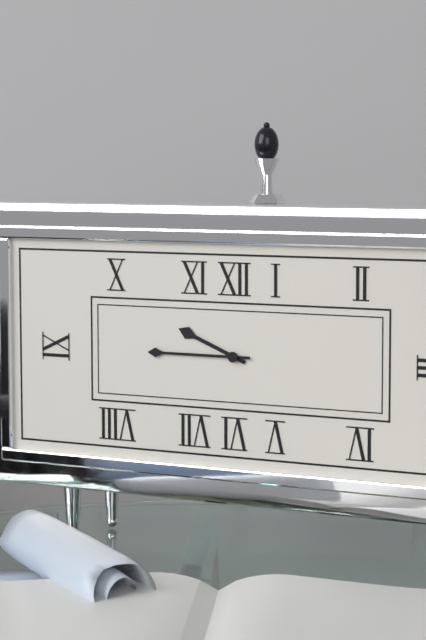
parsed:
9:45
